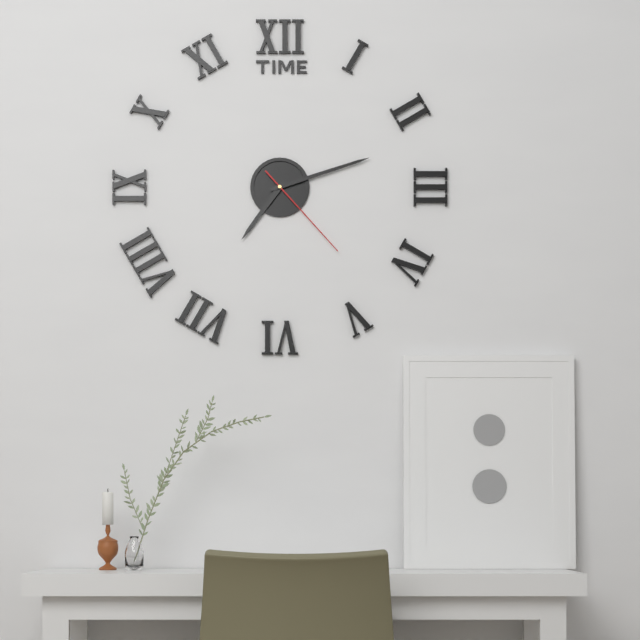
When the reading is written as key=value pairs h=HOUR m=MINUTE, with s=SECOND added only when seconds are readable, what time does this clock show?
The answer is h=7 m=12 s=23
